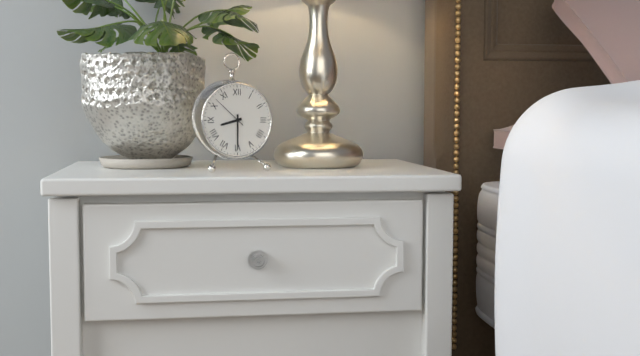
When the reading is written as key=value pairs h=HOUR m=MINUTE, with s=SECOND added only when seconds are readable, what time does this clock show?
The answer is h=8 m=30
